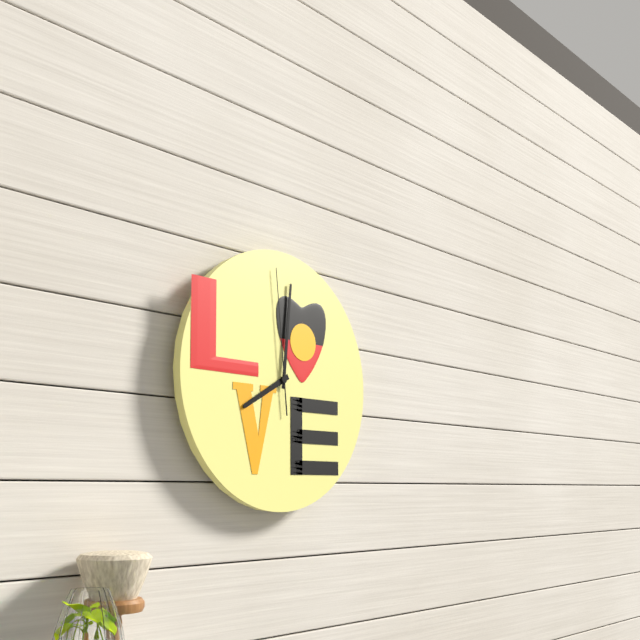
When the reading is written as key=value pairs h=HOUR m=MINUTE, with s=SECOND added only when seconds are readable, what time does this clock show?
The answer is h=8 m=1 s=59
